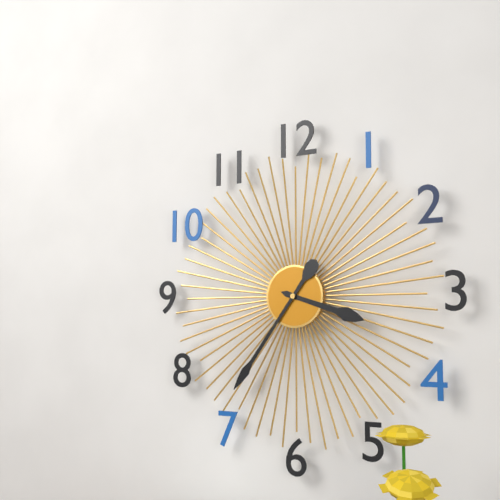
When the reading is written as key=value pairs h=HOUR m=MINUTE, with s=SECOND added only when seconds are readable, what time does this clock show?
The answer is h=3 m=36
